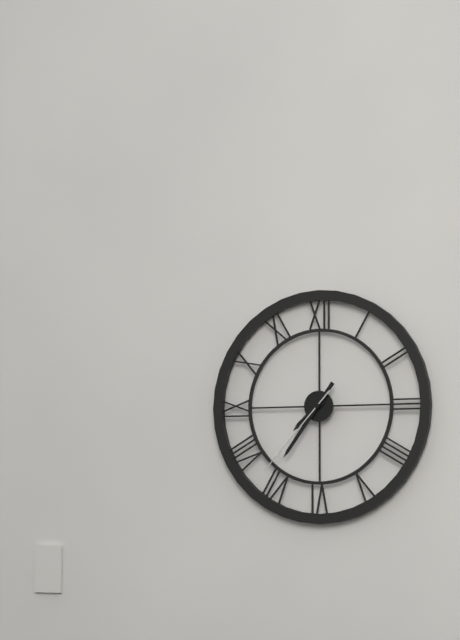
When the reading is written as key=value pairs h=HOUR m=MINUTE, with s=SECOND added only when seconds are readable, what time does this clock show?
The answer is h=7 m=36 s=37
